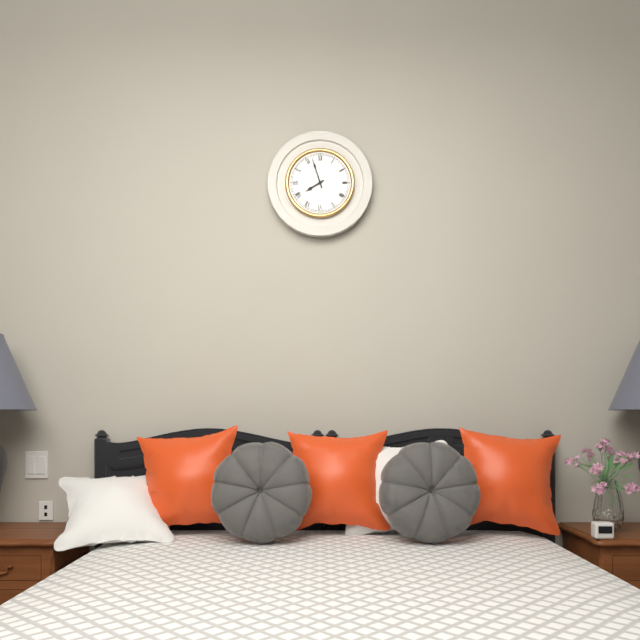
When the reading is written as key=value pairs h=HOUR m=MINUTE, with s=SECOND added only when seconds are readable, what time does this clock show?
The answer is h=7 m=57
